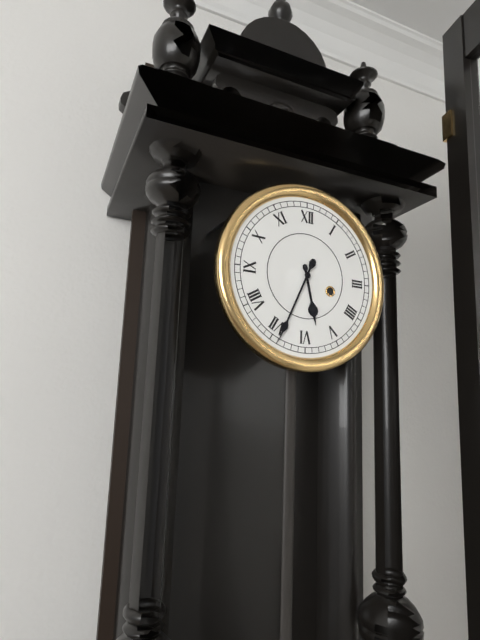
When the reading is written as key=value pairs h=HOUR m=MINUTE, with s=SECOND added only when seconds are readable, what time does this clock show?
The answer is h=5 m=34
